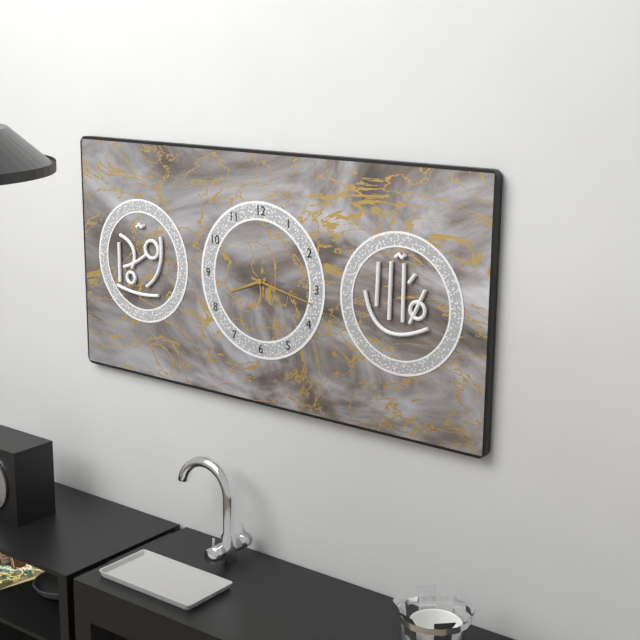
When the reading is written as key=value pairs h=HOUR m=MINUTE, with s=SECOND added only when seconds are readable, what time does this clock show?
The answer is h=8 m=17
